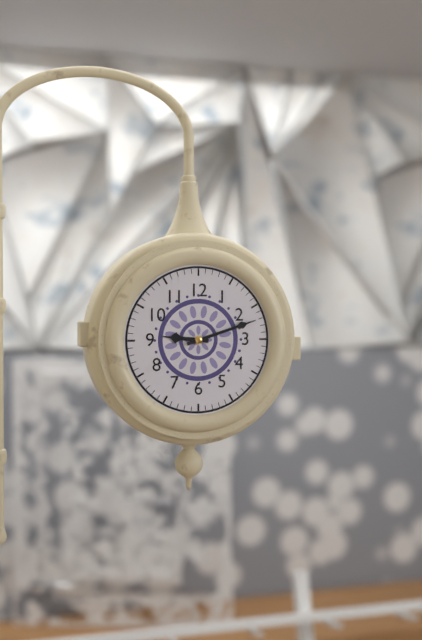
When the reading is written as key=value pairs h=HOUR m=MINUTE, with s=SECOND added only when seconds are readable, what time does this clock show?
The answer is h=9 m=12
